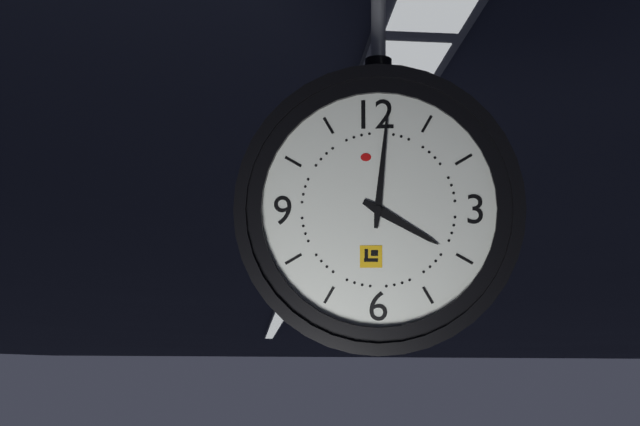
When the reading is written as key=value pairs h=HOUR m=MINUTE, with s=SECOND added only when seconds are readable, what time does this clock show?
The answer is h=4 m=1
